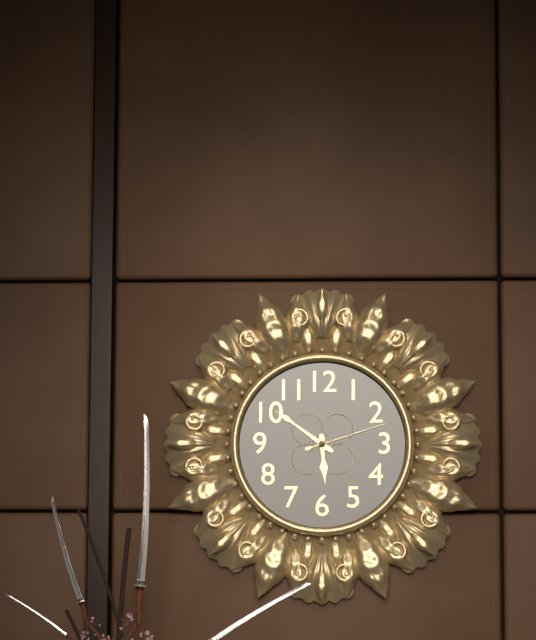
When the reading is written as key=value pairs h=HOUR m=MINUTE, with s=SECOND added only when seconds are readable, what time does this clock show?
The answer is h=5 m=51 s=12
